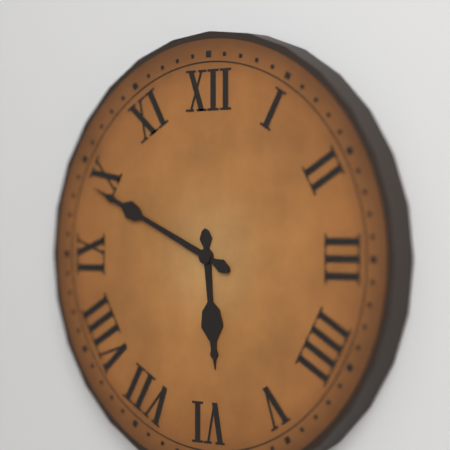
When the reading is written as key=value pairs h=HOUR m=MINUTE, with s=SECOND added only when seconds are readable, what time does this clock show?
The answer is h=5 m=49
